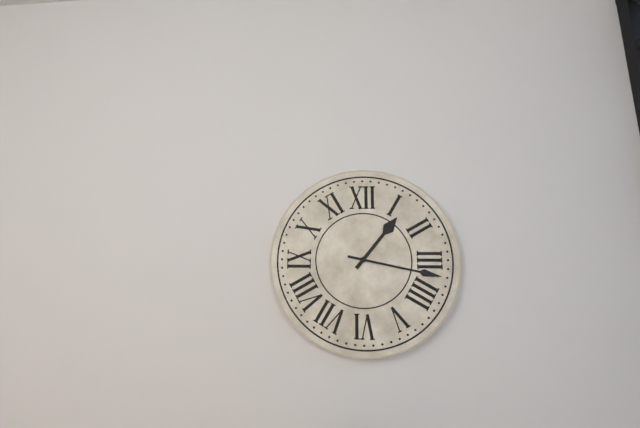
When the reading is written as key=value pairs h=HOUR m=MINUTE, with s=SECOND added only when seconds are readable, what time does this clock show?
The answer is h=1 m=17
